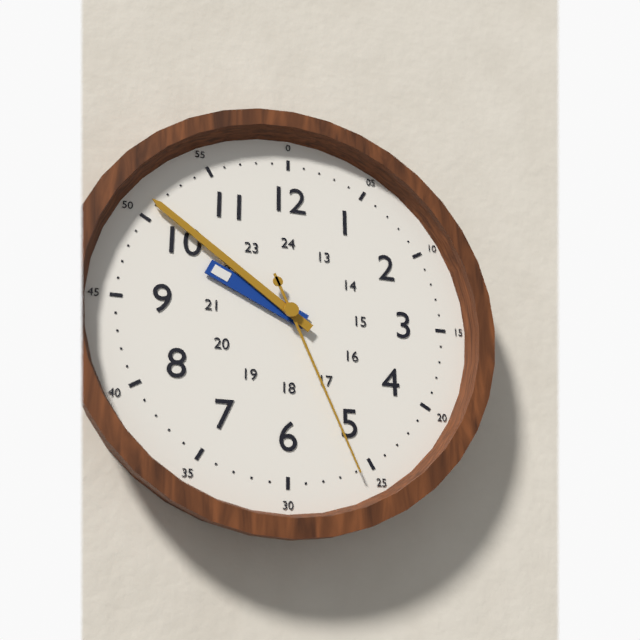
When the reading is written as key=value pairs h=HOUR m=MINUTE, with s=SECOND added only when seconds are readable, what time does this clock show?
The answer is h=9 m=51 s=26
